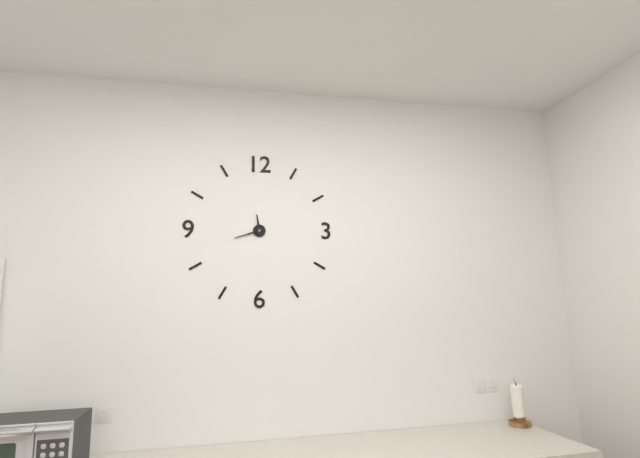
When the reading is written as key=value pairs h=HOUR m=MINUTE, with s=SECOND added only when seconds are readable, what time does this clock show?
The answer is h=11 m=42
